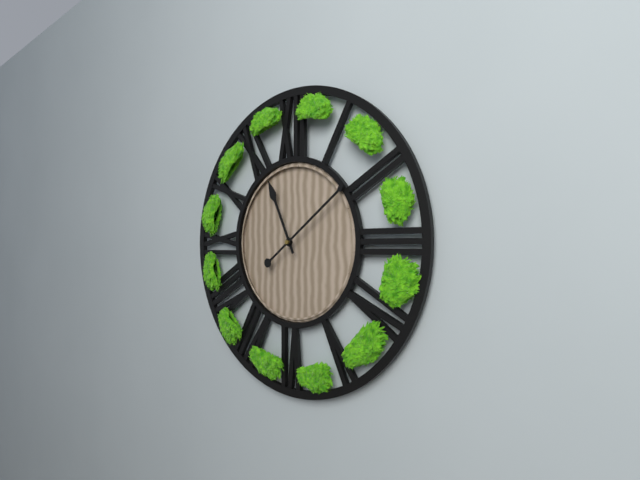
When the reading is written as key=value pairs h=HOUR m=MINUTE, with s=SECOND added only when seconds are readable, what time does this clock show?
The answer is h=11 m=9
